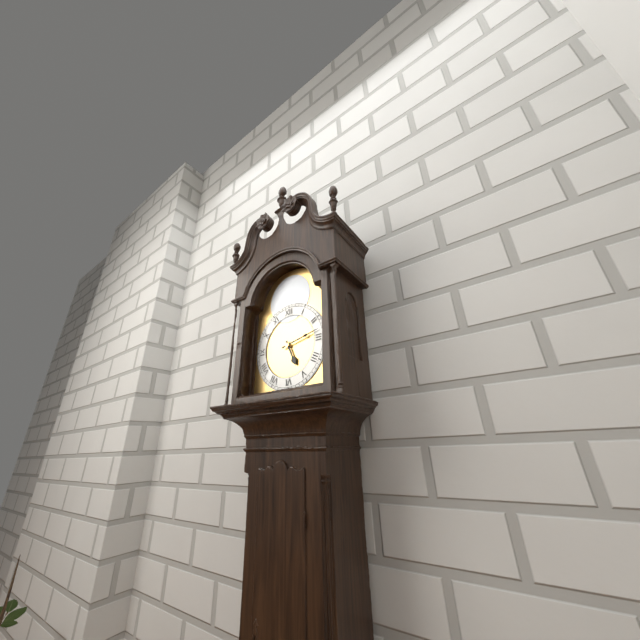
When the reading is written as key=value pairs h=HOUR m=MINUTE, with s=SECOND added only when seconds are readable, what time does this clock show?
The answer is h=5 m=13
